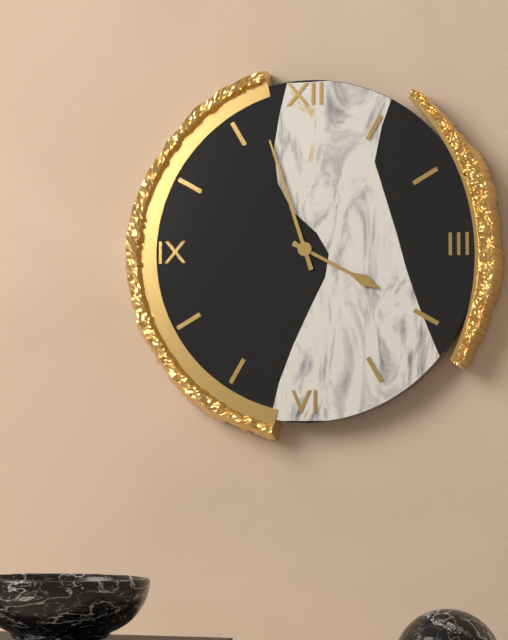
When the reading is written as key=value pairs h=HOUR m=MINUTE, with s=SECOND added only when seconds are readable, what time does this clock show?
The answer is h=3 m=57
